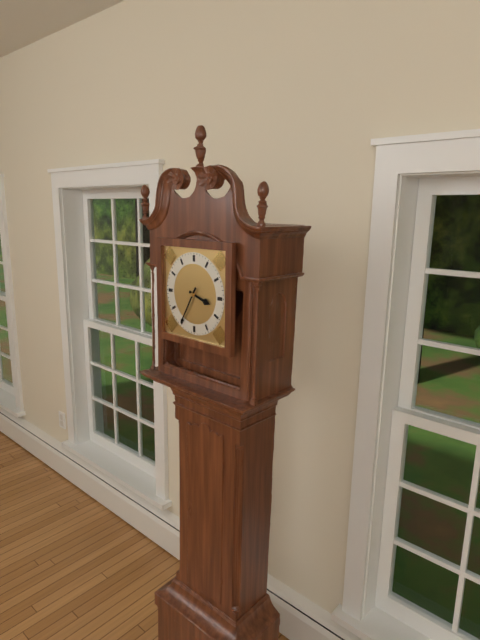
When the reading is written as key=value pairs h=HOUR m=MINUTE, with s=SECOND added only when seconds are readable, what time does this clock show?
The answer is h=3 m=35
